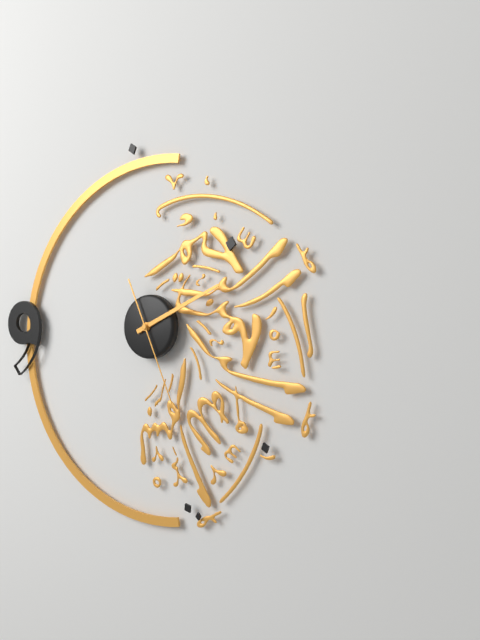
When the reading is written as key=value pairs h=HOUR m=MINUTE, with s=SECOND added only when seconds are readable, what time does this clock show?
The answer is h=2 m=11 s=26
